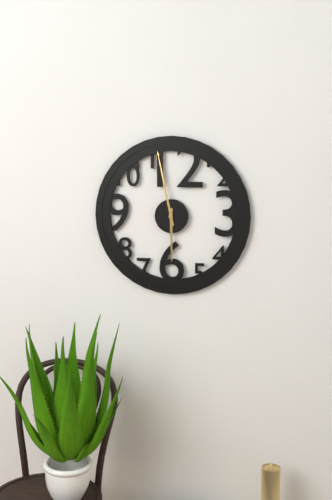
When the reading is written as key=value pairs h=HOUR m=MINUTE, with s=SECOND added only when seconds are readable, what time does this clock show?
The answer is h=5 m=58
